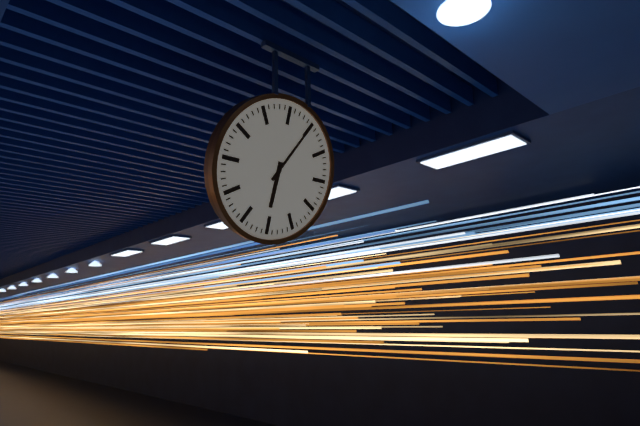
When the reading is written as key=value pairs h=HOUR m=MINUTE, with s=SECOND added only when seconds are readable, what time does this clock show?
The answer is h=6 m=5
